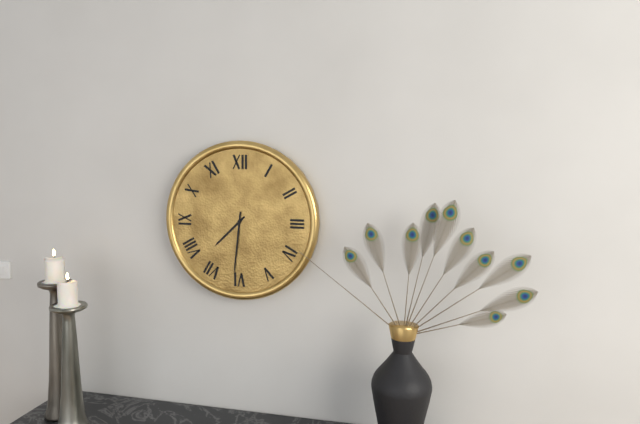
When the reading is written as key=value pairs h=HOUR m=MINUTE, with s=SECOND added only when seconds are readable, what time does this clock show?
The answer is h=7 m=31
